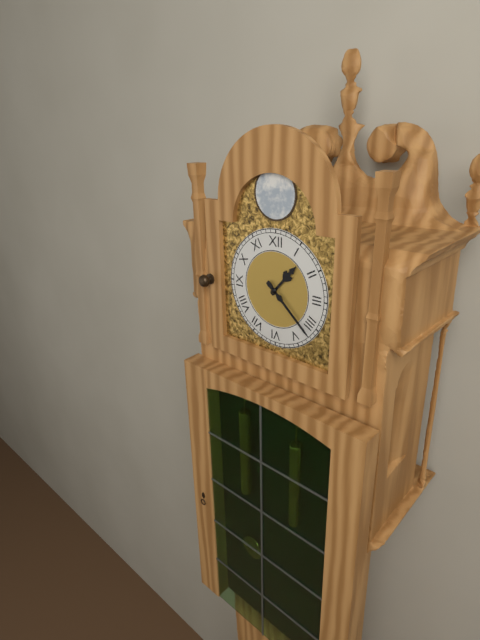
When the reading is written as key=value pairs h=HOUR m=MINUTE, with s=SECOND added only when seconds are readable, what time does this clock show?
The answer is h=1 m=22
